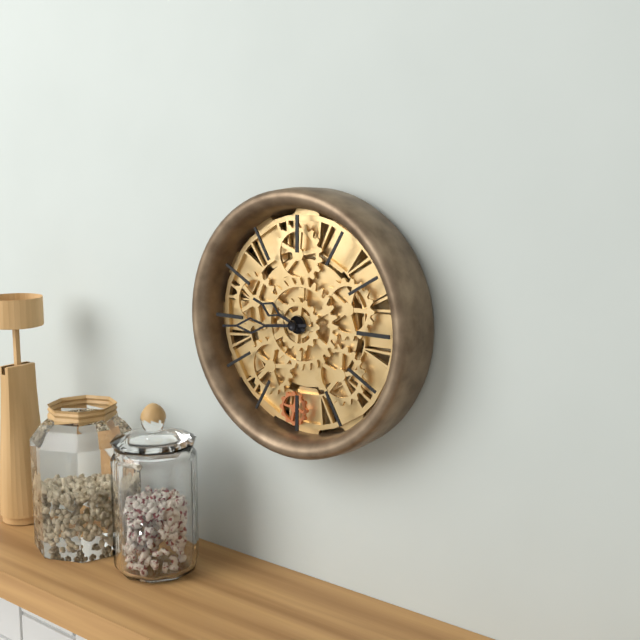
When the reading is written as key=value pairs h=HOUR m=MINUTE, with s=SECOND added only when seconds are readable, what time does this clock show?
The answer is h=9 m=44
